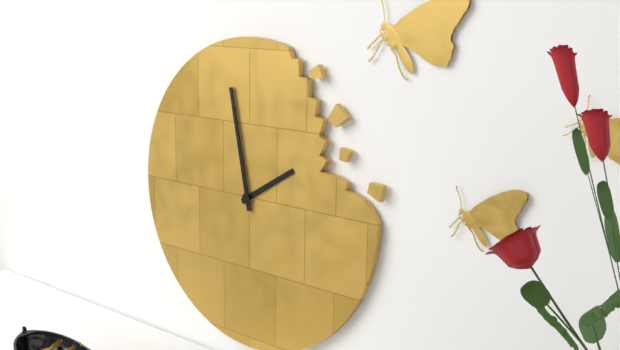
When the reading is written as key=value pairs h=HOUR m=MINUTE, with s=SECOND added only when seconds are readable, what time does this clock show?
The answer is h=1 m=58
